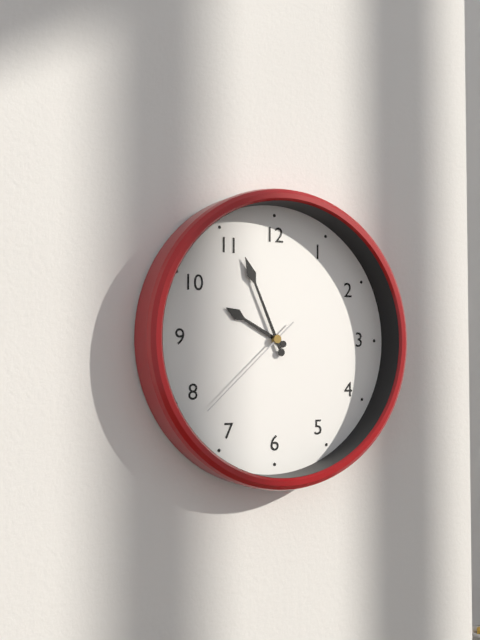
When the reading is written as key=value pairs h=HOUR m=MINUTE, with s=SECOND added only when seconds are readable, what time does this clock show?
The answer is h=9 m=56 s=38
